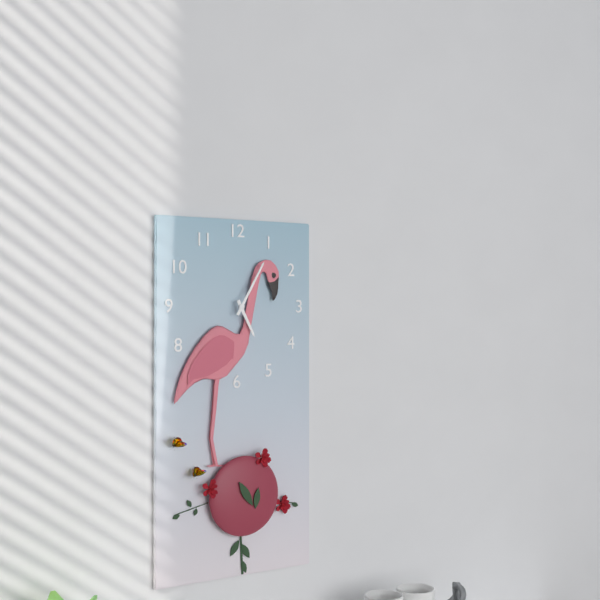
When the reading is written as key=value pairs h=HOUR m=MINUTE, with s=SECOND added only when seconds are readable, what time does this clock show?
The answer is h=5 m=5
